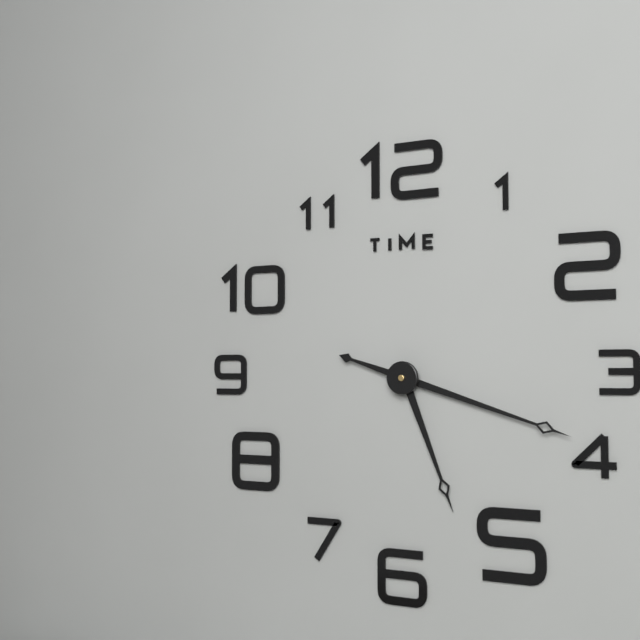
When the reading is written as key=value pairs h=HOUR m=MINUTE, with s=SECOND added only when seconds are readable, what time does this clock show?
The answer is h=5 m=18
